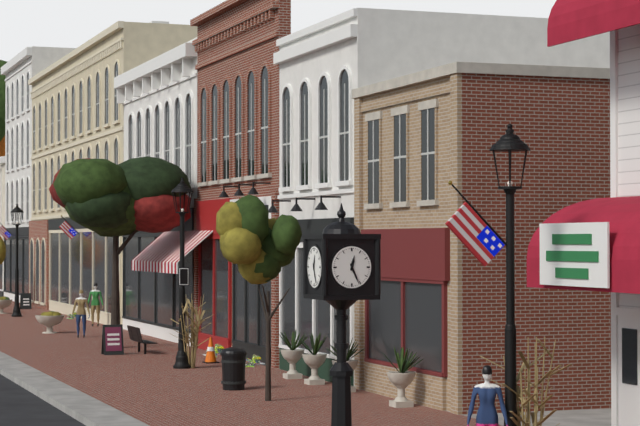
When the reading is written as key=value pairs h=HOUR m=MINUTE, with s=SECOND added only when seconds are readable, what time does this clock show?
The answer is h=12 m=26
